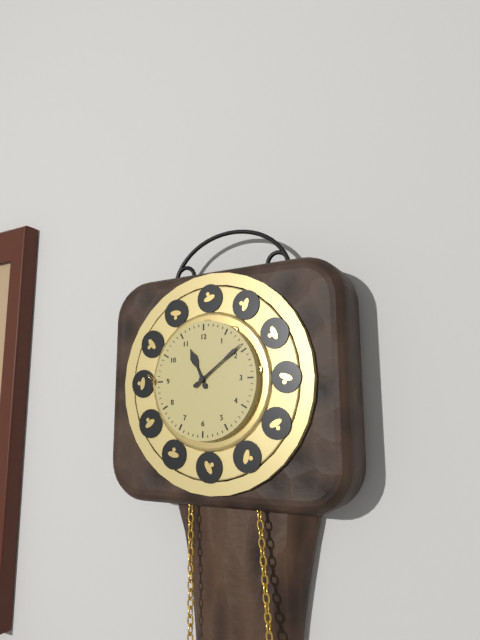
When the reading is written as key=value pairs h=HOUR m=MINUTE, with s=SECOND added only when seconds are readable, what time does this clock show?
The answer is h=11 m=9
